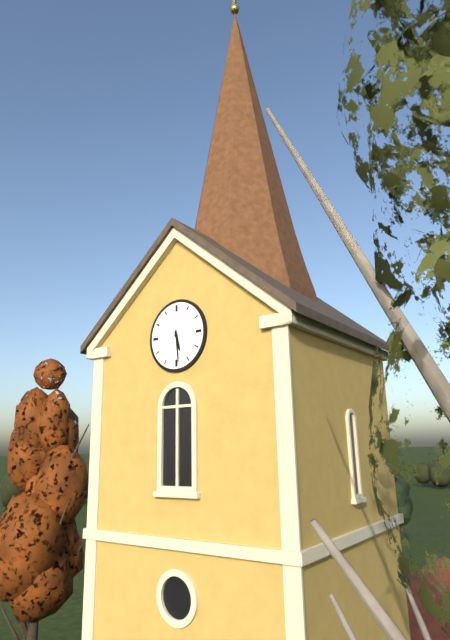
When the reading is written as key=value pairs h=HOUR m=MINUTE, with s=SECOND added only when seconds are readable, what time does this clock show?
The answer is h=5 m=29
